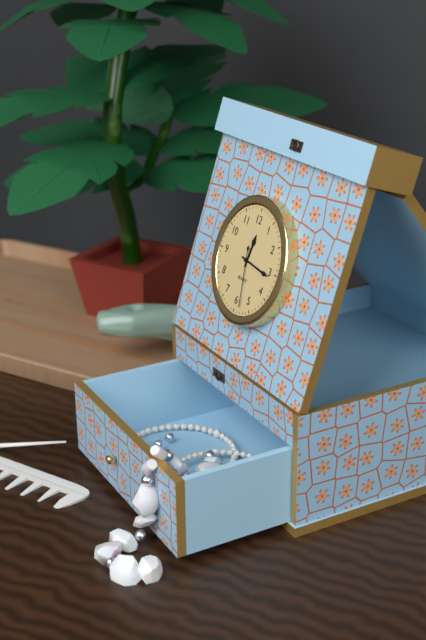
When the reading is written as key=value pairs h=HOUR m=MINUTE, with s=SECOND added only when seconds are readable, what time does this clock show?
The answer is h=12 m=16 s=28
